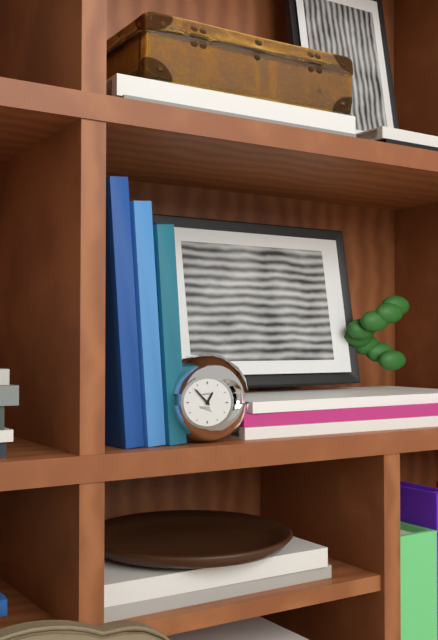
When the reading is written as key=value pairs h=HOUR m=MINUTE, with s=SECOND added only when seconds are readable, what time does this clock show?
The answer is h=12 m=53
